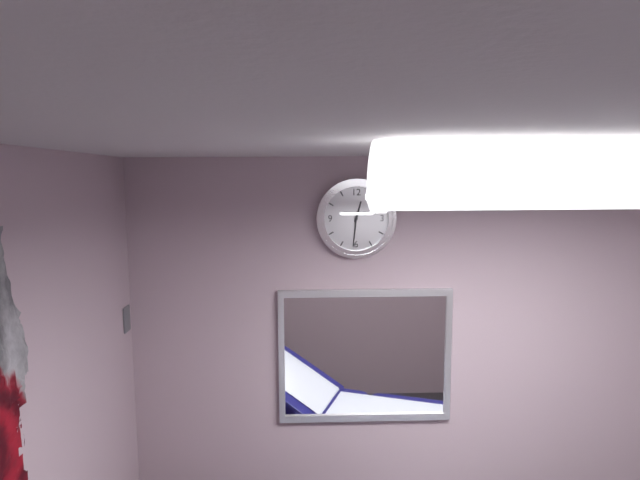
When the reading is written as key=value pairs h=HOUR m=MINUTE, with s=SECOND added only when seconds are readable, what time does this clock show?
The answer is h=12 m=31
